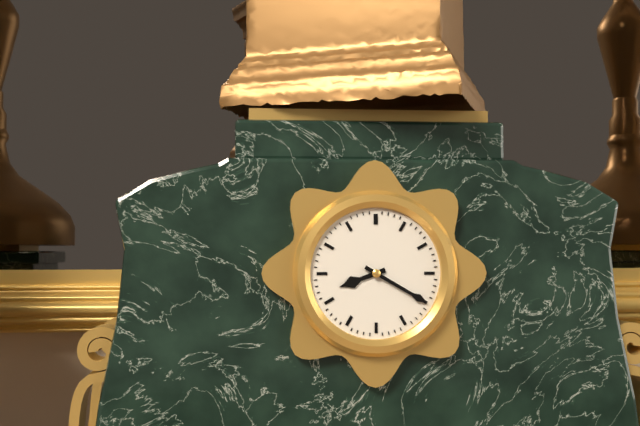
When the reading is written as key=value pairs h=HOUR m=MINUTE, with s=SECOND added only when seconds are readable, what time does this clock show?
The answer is h=8 m=20
